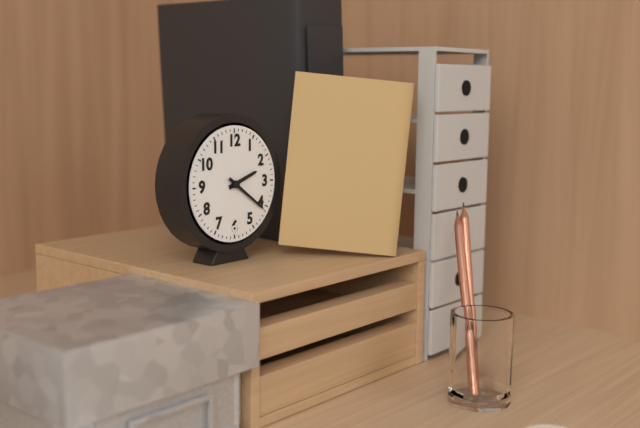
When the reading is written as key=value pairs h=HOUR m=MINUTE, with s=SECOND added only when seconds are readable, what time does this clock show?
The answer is h=2 m=21
